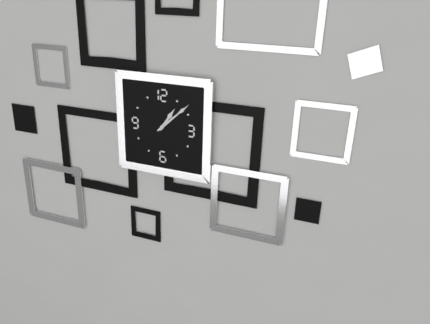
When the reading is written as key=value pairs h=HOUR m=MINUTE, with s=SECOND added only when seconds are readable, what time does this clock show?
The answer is h=1 m=8
